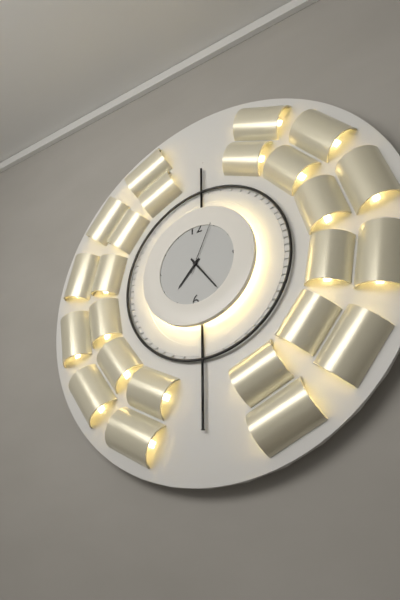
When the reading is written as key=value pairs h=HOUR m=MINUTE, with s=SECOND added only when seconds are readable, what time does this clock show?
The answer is h=7 m=24 s=4
